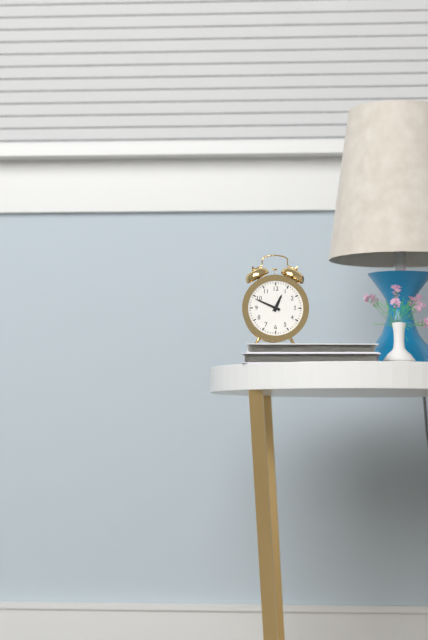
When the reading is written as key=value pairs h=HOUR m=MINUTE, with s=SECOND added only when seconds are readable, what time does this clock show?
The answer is h=12 m=49
